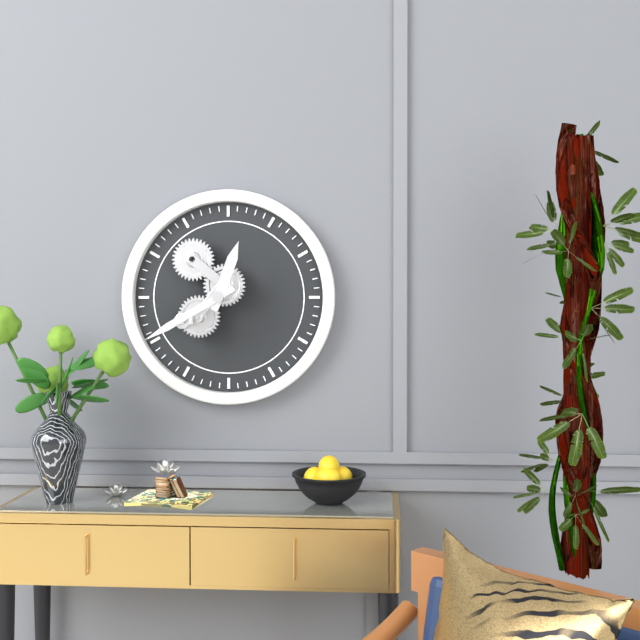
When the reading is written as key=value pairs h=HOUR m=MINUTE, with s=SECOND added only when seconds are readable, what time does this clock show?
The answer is h=12 m=40
